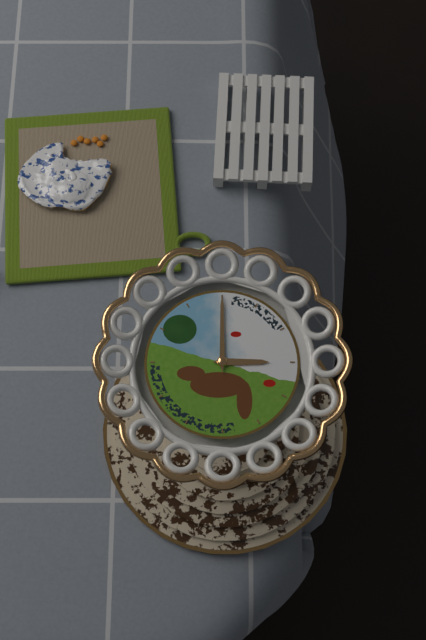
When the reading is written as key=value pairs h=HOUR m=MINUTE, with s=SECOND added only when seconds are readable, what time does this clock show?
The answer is h=3 m=0
